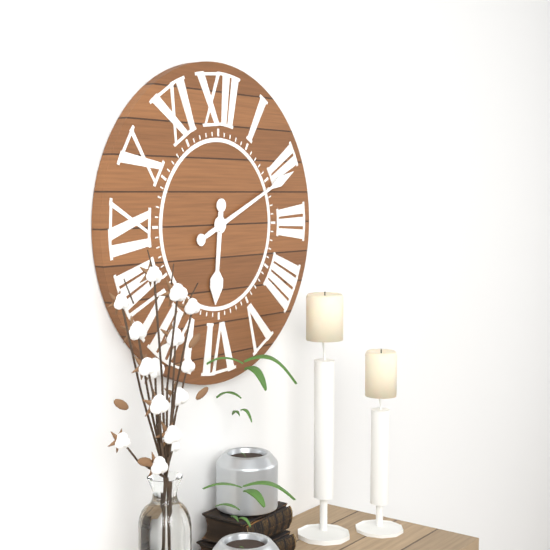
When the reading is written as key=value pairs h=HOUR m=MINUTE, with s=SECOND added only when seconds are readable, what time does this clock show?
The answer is h=6 m=11
